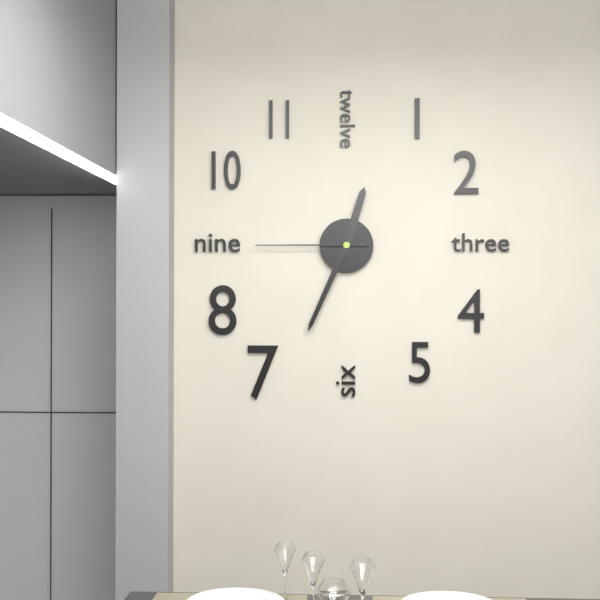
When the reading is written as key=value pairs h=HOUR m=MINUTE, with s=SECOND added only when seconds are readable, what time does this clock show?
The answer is h=12 m=34 s=45
